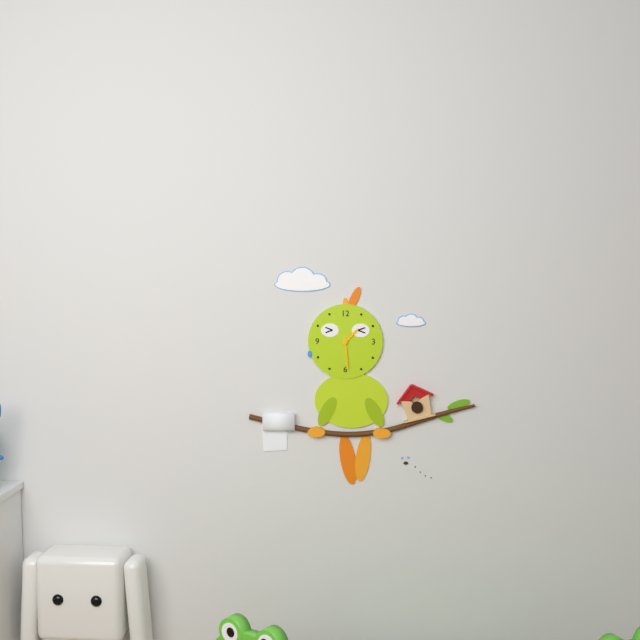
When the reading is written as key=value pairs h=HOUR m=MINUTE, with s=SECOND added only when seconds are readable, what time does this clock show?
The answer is h=1 m=29
